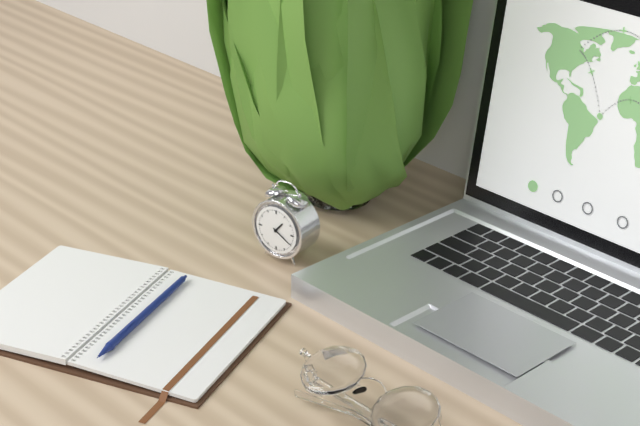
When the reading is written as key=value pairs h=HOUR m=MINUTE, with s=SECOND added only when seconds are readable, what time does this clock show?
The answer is h=1 m=20
